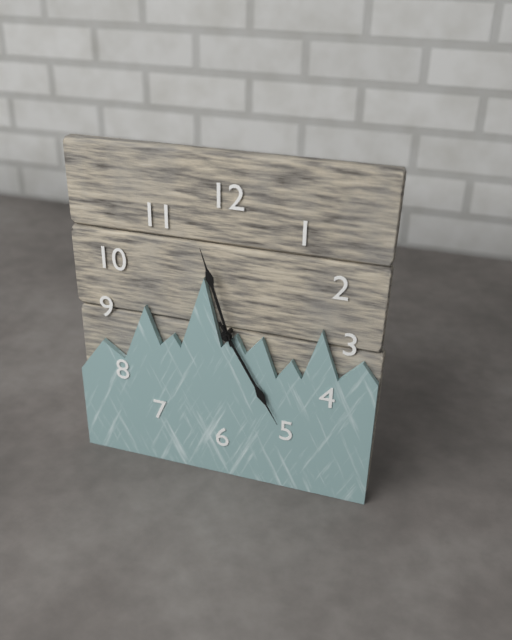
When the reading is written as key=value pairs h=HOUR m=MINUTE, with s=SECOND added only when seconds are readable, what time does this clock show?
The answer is h=11 m=25
